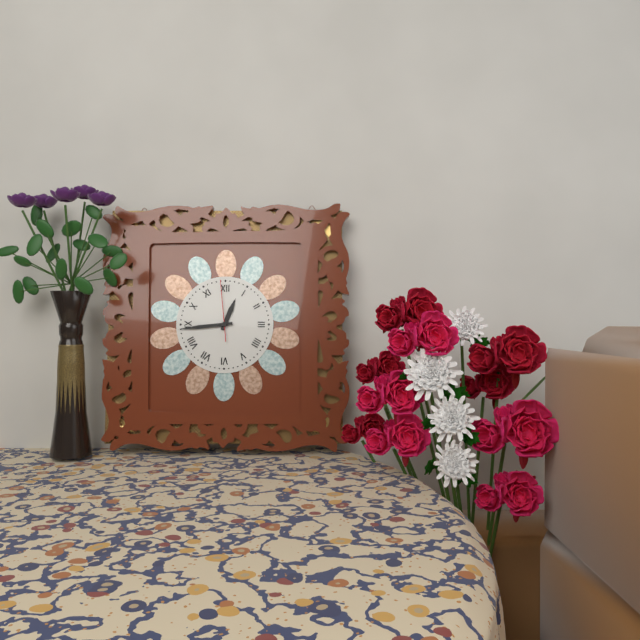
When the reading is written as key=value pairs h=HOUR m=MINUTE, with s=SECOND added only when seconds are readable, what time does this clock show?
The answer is h=12 m=44 s=59
